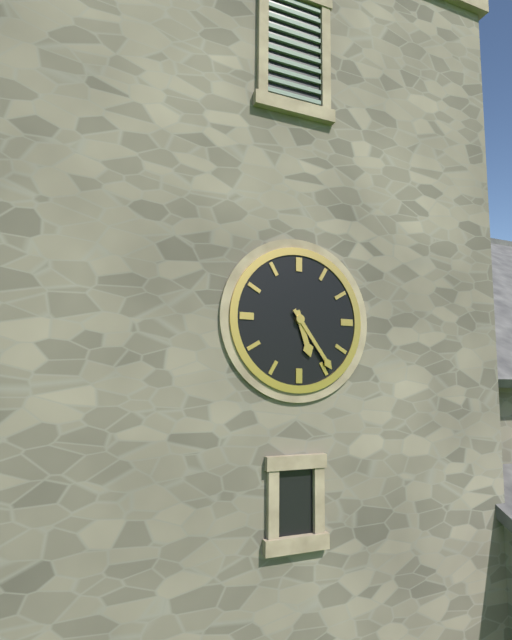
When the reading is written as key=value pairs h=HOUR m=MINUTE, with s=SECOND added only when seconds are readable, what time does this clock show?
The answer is h=5 m=24
